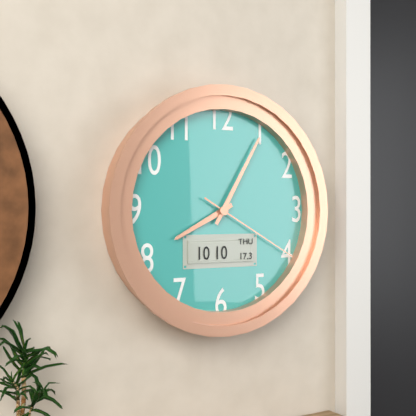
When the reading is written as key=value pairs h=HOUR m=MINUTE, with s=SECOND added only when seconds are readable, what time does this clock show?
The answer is h=8 m=5 s=20
